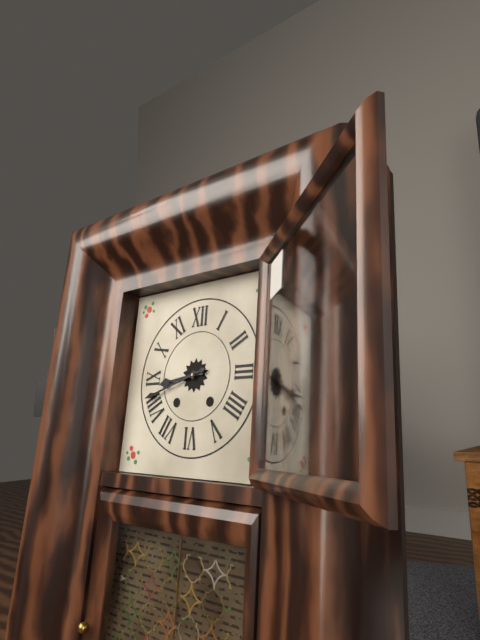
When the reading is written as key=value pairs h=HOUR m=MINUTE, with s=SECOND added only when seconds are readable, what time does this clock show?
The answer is h=8 m=42
